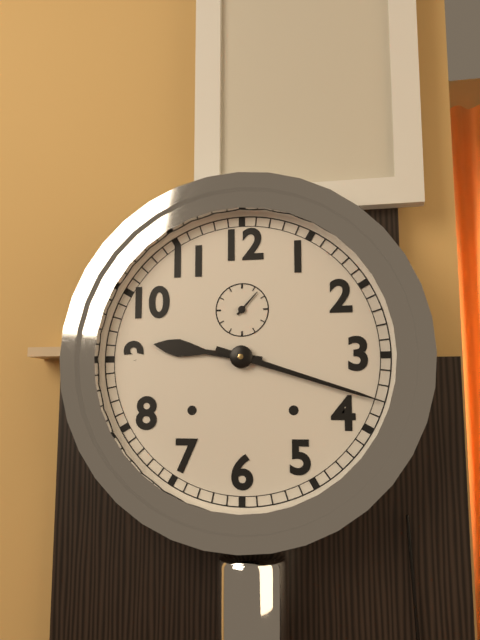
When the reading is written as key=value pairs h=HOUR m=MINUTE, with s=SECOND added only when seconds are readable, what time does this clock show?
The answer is h=9 m=18
